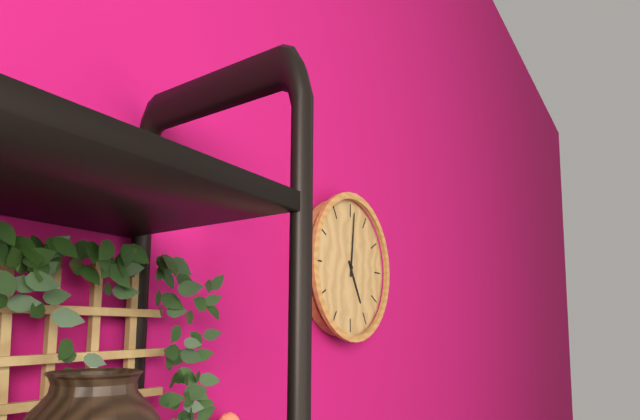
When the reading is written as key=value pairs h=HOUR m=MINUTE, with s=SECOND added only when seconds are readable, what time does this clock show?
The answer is h=5 m=1
